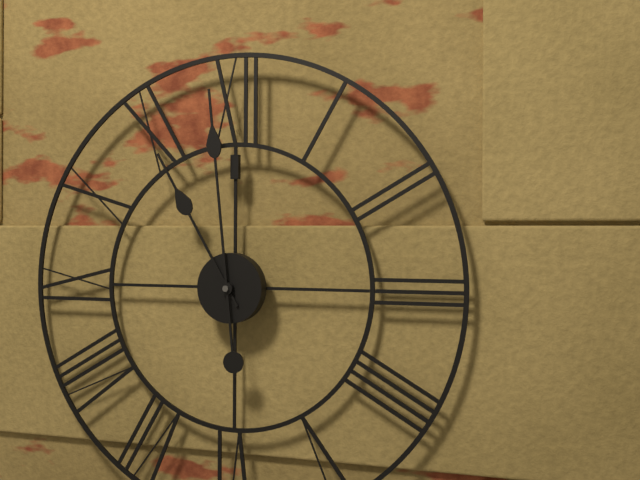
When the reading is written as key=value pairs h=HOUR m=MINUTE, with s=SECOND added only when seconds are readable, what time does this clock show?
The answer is h=10 m=59
